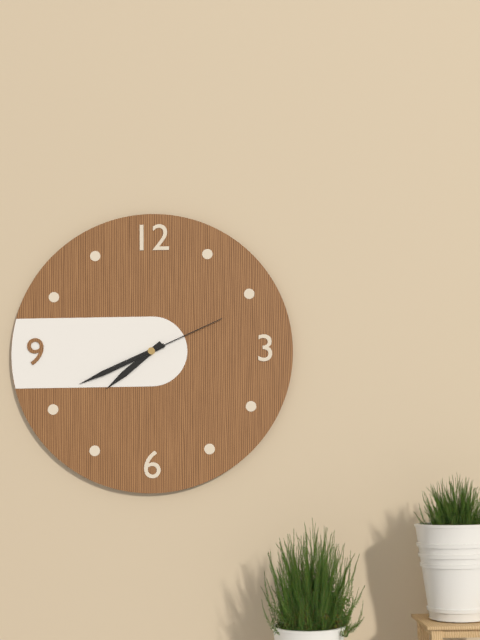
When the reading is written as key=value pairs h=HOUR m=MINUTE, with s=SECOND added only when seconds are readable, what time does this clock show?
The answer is h=7 m=41 s=11
